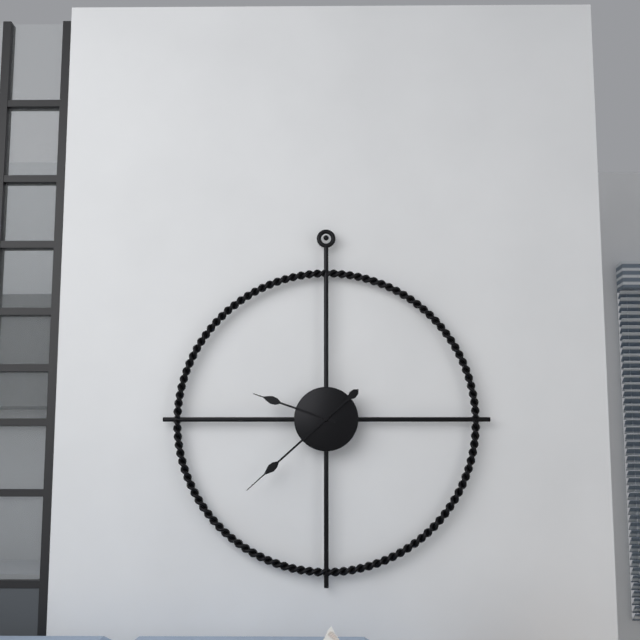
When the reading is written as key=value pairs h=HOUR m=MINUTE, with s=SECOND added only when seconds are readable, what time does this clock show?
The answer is h=9 m=38
